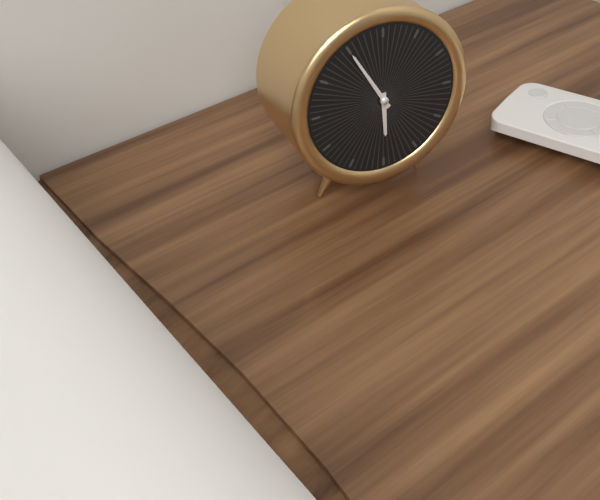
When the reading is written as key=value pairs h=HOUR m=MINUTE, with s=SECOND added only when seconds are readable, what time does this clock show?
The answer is h=5 m=55
